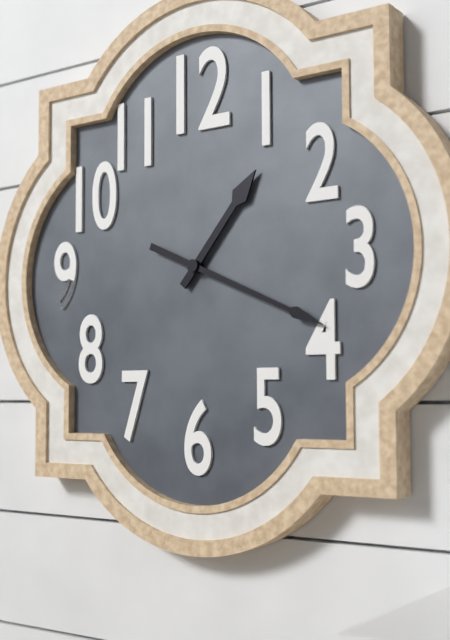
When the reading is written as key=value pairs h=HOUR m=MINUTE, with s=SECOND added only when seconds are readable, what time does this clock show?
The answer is h=1 m=19
